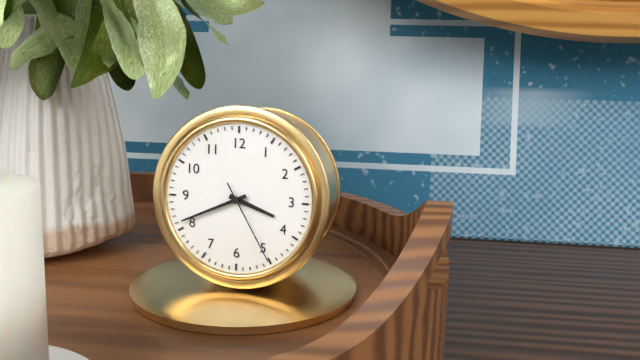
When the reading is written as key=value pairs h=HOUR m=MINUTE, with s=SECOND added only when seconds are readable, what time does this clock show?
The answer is h=3 m=41 s=25
